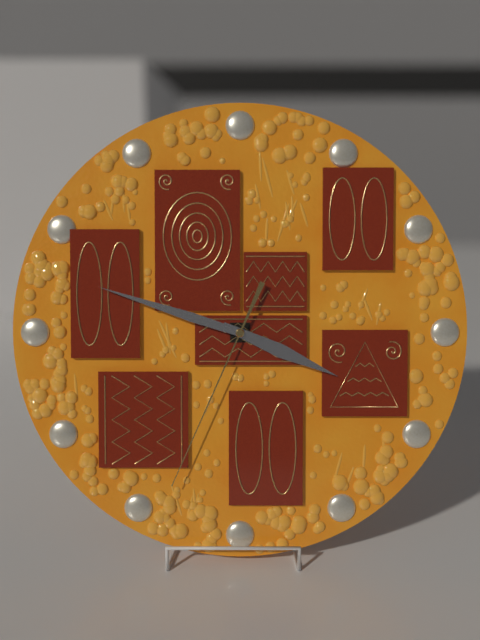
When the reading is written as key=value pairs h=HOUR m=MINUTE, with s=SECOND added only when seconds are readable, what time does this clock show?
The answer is h=3 m=48 s=34
